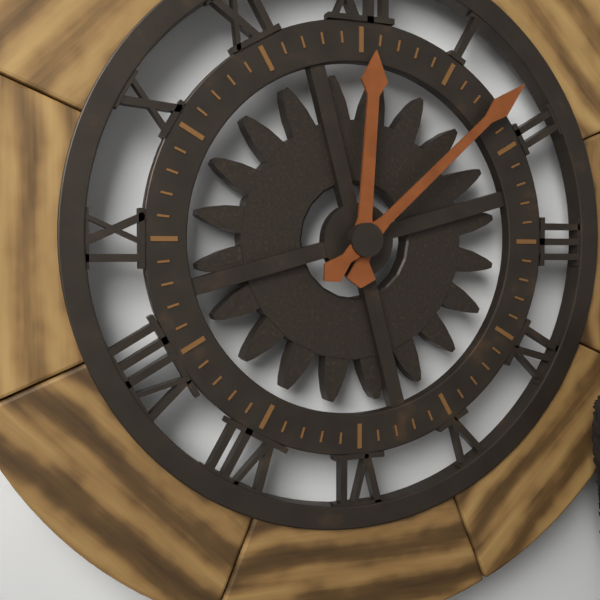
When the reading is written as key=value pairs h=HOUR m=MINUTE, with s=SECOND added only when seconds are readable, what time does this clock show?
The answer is h=12 m=8
